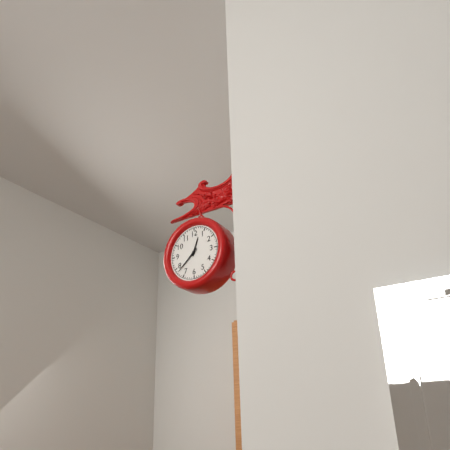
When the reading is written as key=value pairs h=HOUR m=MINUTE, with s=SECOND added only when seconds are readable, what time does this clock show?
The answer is h=12 m=38
